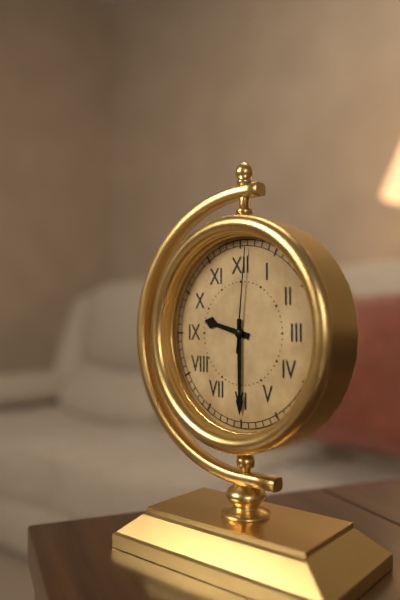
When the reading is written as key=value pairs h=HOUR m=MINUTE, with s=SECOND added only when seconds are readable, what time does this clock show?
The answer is h=9 m=30 s=1
